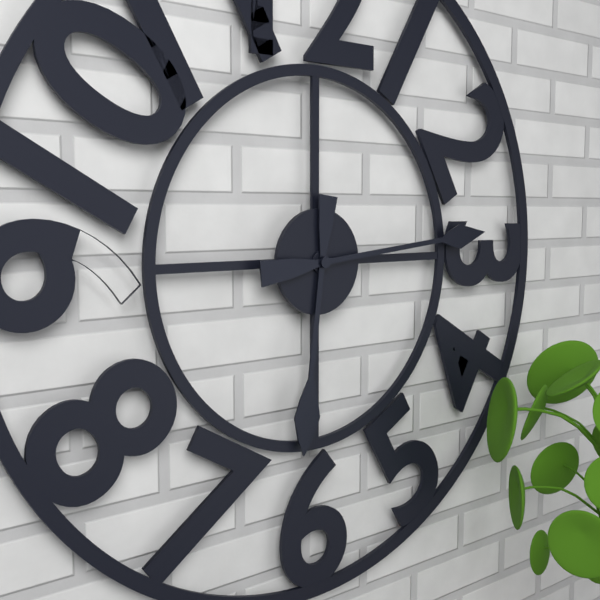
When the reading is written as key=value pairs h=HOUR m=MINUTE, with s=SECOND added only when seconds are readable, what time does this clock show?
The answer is h=6 m=14
